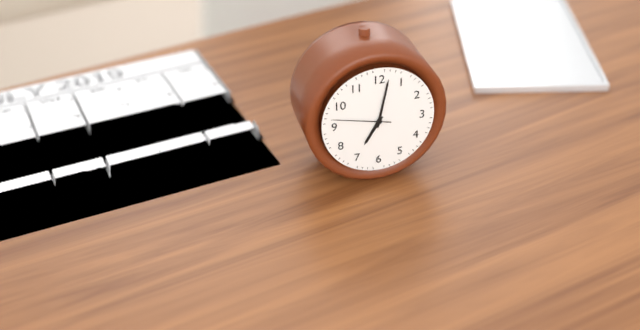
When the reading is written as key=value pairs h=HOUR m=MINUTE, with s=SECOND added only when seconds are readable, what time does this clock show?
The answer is h=7 m=2 s=47
